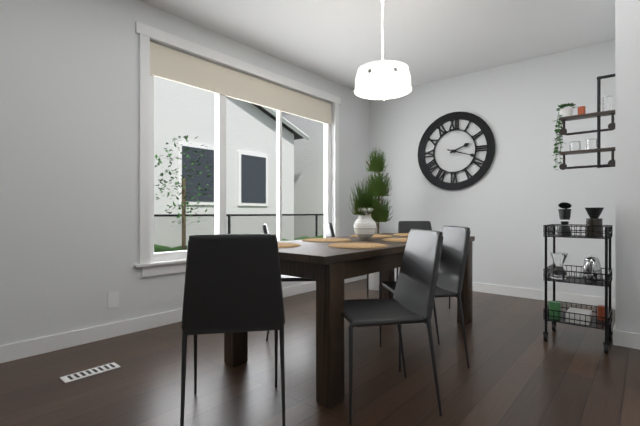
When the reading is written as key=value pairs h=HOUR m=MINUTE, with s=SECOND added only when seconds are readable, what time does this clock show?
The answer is h=2 m=18
